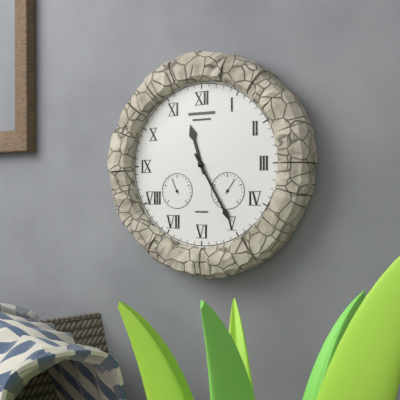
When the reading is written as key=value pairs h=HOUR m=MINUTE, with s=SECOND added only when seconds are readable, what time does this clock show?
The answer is h=11 m=25
